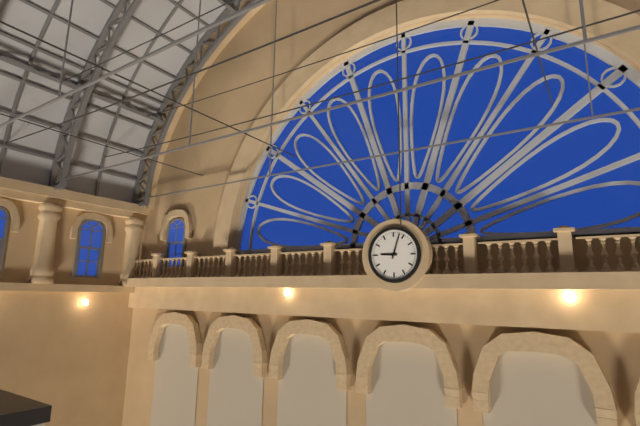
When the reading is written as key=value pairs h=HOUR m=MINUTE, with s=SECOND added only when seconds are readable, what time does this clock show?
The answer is h=9 m=3
